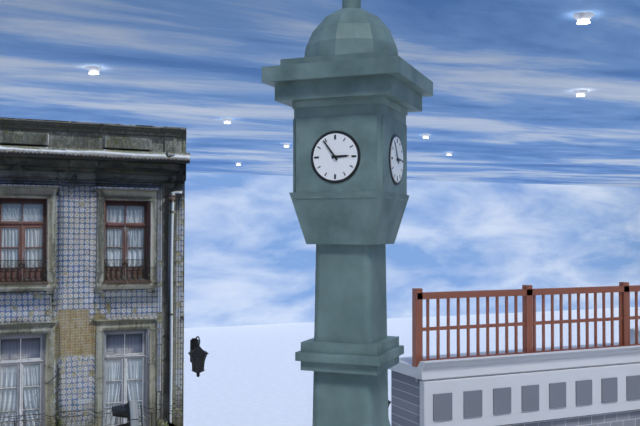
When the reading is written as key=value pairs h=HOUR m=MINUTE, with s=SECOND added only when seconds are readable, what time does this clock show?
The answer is h=2 m=54
